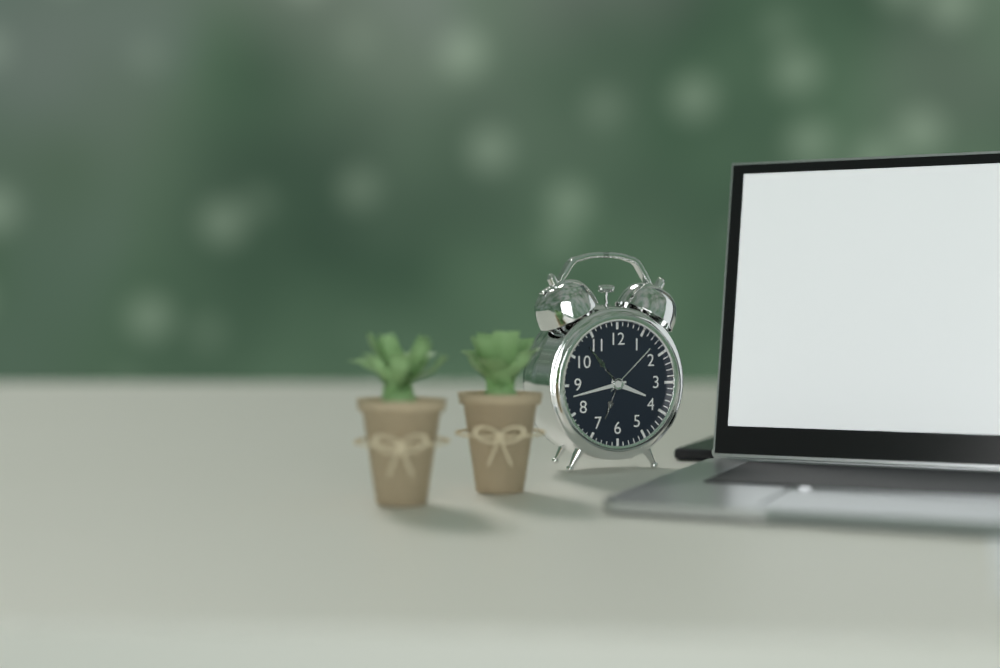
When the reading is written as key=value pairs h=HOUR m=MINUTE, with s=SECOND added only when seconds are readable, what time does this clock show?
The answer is h=3 m=43
